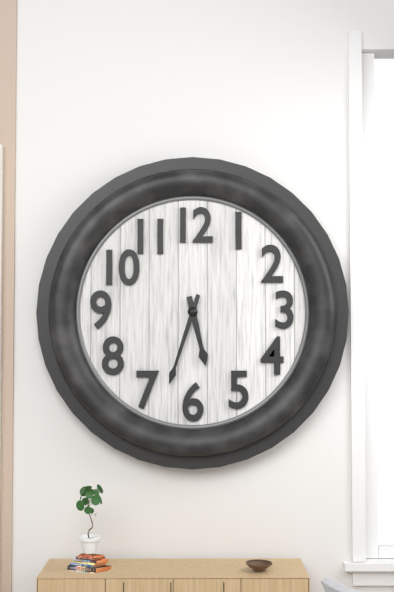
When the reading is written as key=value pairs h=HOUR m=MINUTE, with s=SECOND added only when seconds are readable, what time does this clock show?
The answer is h=5 m=33
